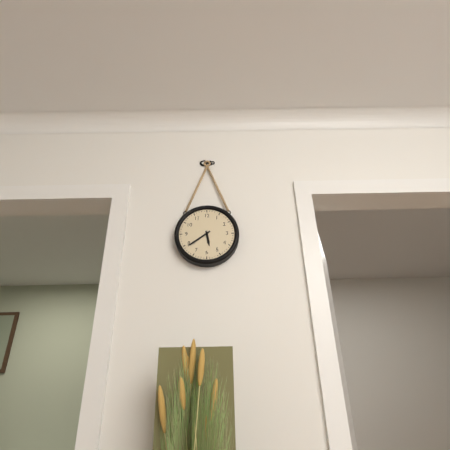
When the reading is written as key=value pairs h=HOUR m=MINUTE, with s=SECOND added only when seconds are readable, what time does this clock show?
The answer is h=5 m=39
